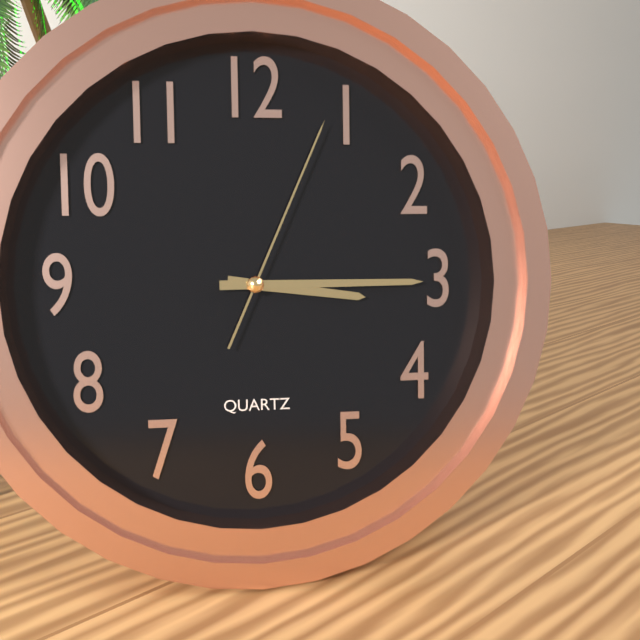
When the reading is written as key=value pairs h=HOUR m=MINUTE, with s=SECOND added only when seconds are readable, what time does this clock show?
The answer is h=3 m=15 s=4
